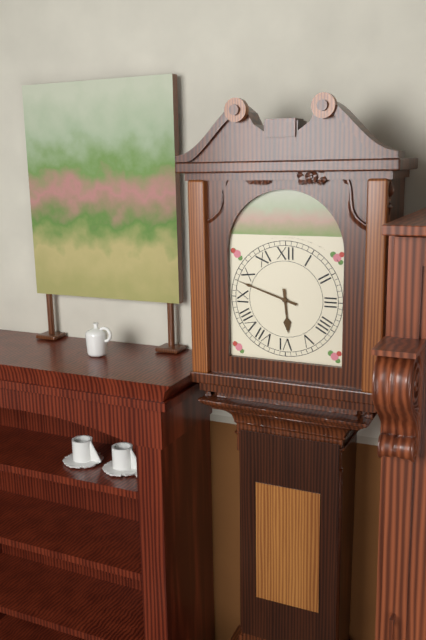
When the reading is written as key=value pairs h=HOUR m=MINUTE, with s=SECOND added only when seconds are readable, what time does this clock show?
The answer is h=5 m=48
